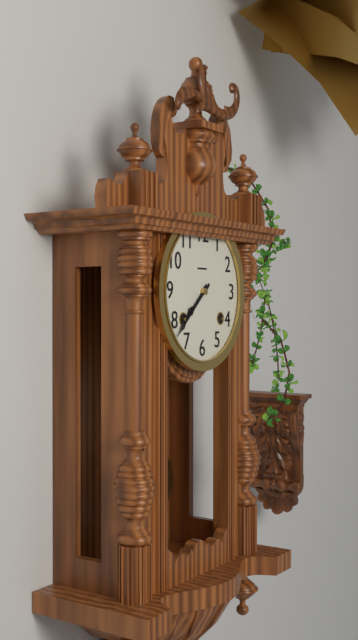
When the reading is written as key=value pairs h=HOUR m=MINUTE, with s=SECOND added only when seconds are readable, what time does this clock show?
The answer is h=7 m=38
